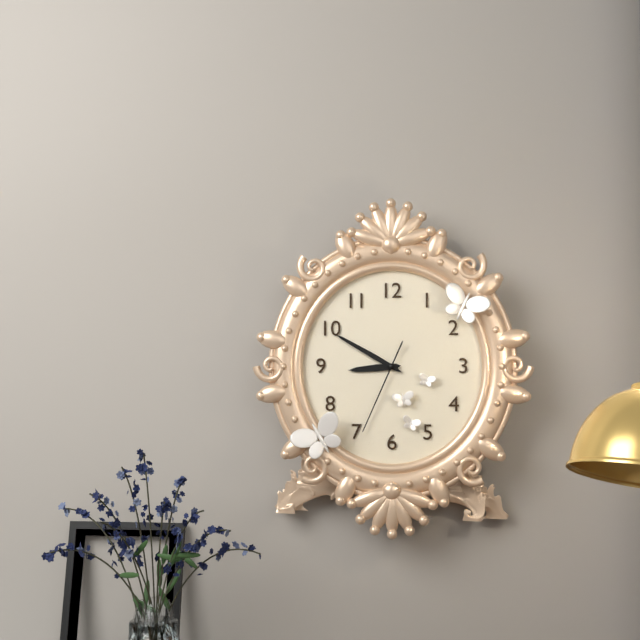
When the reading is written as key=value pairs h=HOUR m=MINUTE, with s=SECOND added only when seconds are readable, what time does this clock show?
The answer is h=8 m=50 s=34
